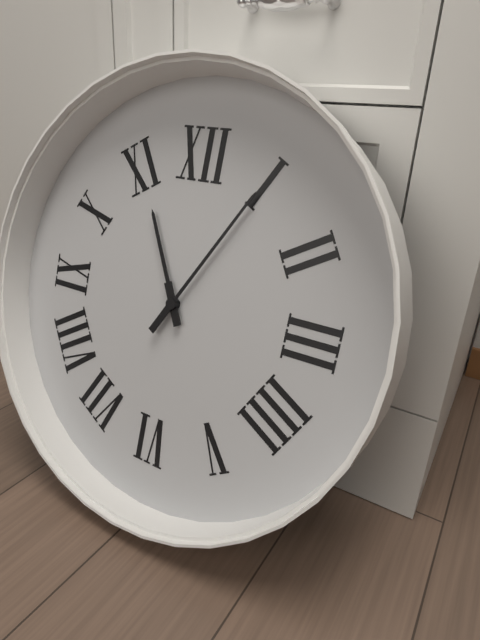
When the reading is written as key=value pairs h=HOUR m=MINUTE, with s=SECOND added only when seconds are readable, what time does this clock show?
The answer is h=11 m=5
